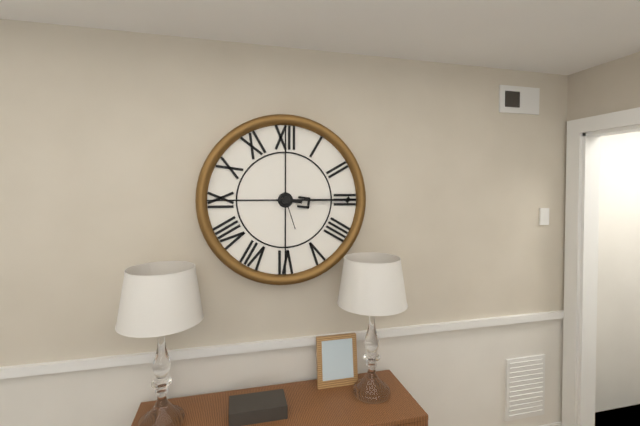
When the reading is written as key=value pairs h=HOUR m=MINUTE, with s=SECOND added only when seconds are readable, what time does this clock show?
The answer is h=3 m=15
